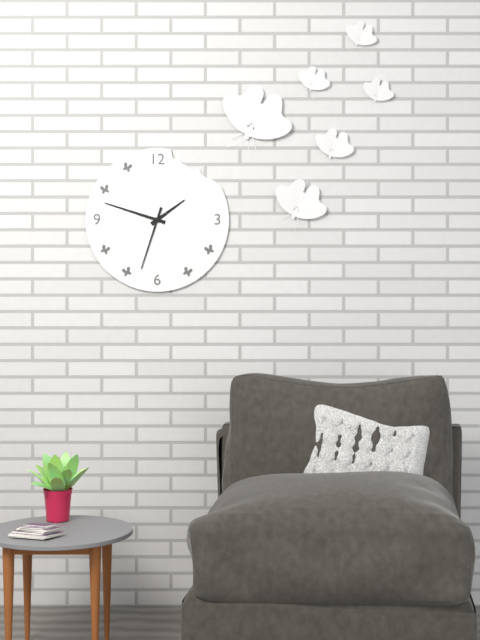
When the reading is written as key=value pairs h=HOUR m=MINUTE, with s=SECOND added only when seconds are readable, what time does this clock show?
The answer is h=1 m=48 s=33
